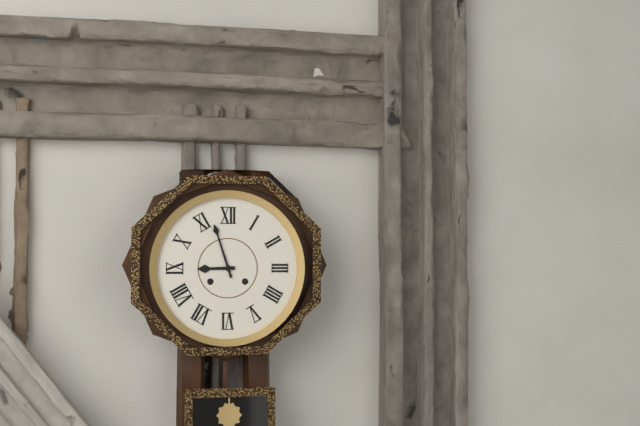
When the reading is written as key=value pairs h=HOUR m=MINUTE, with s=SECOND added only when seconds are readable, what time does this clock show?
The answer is h=8 m=57
